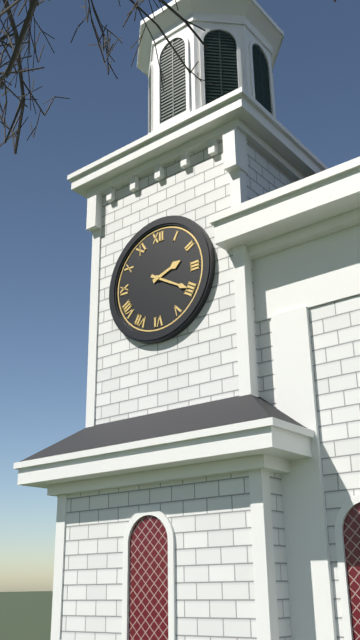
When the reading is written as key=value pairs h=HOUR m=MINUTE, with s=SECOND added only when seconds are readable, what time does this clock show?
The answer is h=2 m=20
